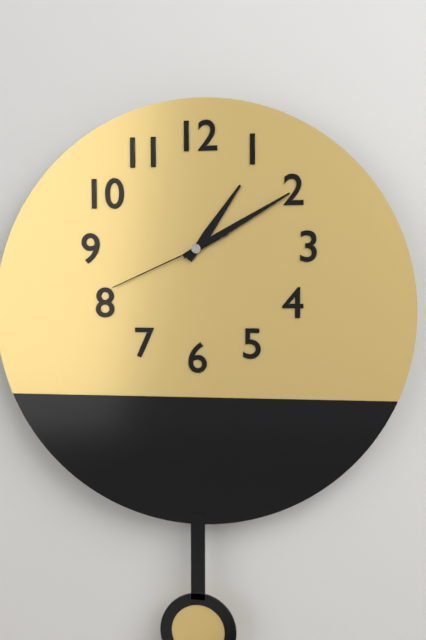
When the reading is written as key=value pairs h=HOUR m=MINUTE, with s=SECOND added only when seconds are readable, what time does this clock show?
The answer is h=1 m=10 s=41
